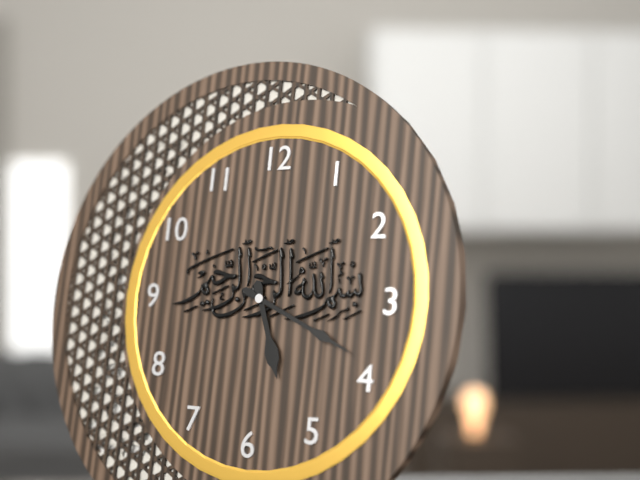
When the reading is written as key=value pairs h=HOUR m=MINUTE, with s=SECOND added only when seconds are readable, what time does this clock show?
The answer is h=5 m=19
